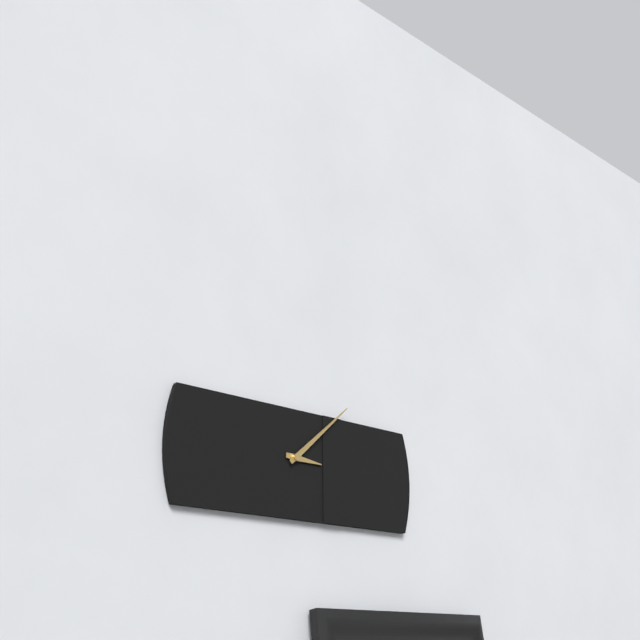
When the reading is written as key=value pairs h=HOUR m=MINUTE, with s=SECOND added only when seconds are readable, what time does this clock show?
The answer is h=3 m=8
